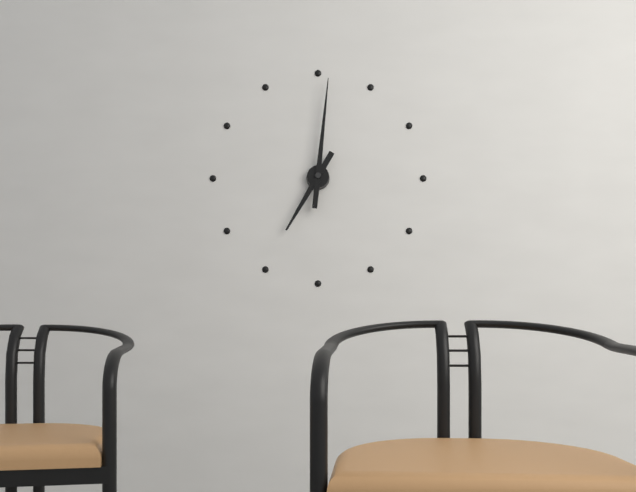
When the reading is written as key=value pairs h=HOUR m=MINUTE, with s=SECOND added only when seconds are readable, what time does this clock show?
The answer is h=7 m=1
